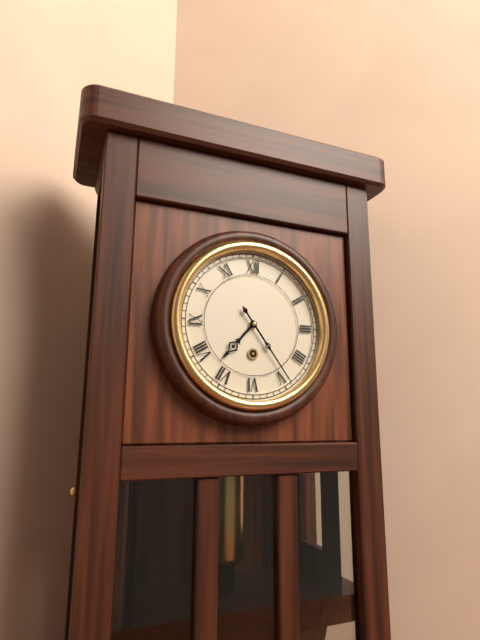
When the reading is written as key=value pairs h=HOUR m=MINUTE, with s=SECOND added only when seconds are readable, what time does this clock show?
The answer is h=7 m=24
